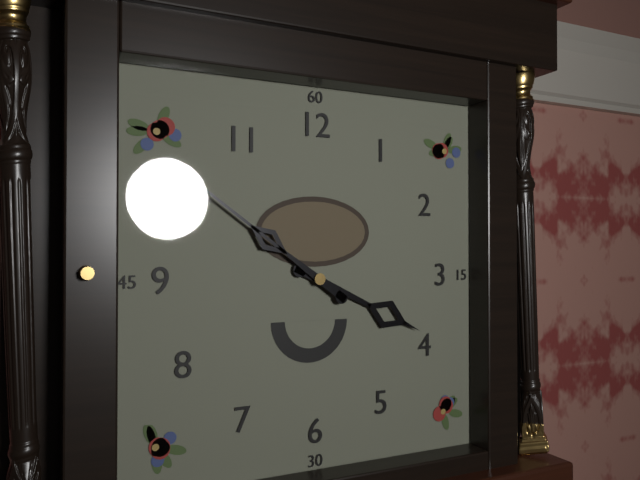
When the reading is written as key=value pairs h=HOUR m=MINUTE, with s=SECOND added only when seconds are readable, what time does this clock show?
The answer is h=3 m=51
